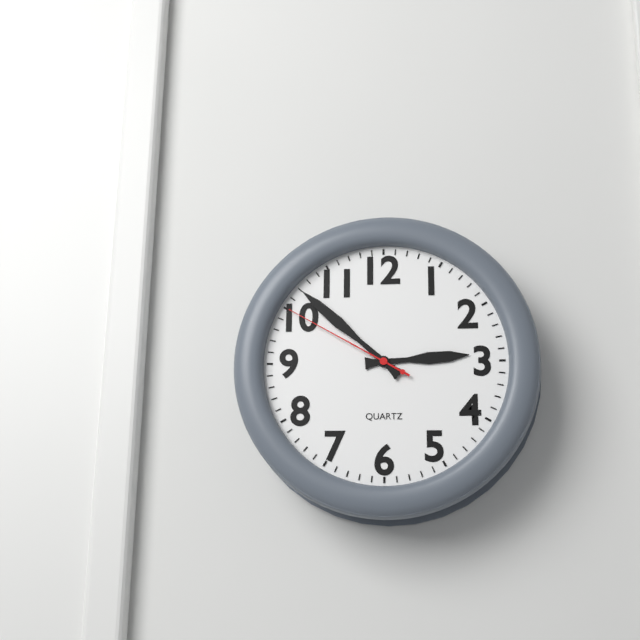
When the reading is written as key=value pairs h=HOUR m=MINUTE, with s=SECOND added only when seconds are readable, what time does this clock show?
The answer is h=2 m=52 s=50
